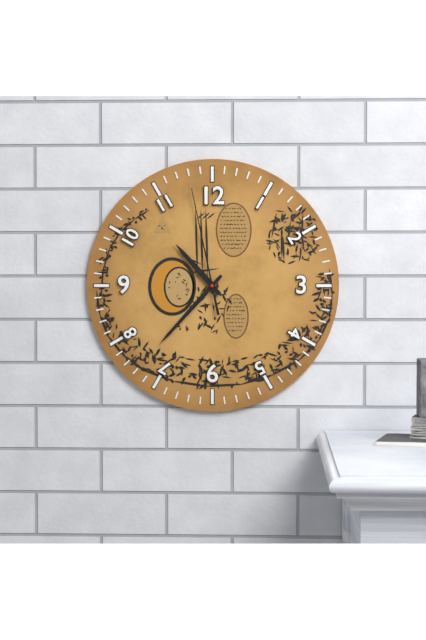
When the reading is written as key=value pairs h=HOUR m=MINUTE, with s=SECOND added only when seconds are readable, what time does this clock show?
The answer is h=10 m=37 s=58
